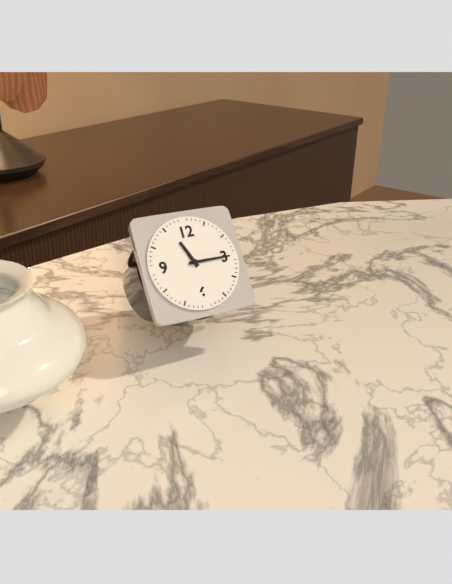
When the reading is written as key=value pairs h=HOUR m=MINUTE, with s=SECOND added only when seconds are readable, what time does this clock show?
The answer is h=11 m=15
